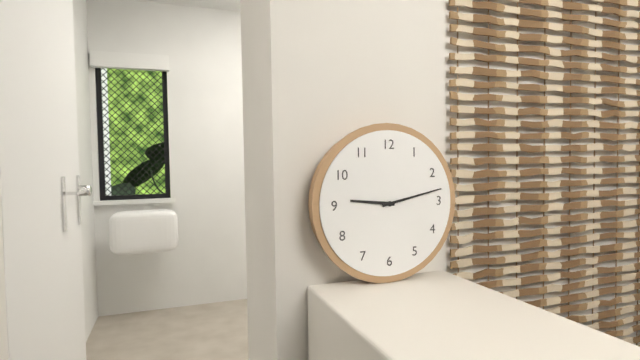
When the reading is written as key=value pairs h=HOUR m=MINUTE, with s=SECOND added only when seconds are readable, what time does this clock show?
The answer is h=9 m=13
